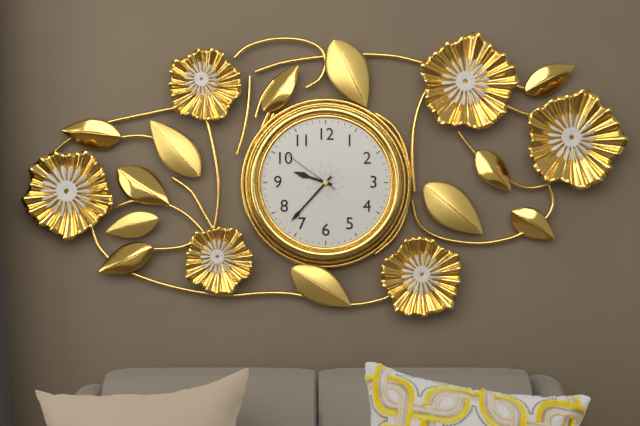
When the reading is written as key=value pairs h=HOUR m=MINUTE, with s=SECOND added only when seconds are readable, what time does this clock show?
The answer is h=9 m=37 s=51
